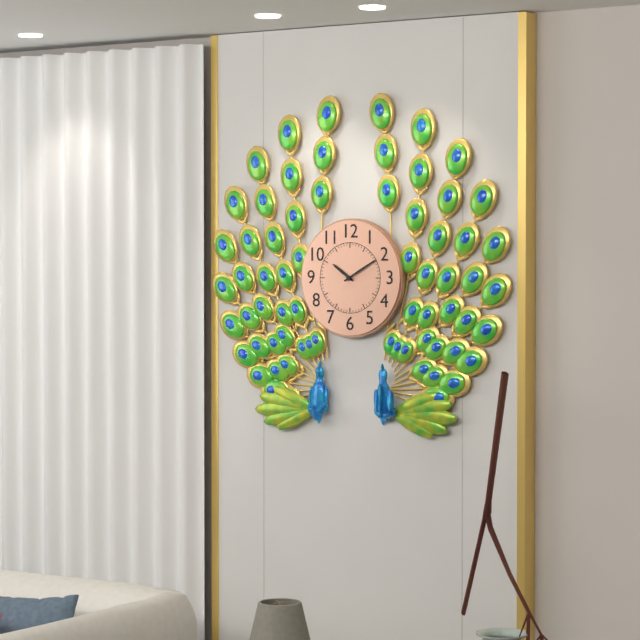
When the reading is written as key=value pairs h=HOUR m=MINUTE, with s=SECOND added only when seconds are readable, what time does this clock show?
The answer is h=10 m=10
